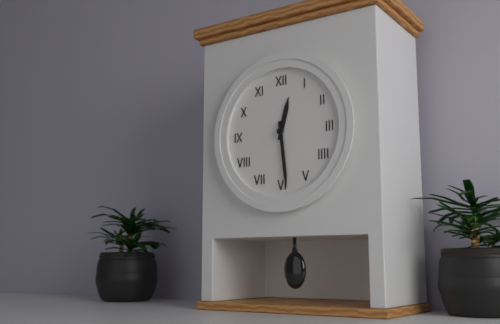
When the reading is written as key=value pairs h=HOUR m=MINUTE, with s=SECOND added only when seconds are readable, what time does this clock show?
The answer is h=12 m=29
